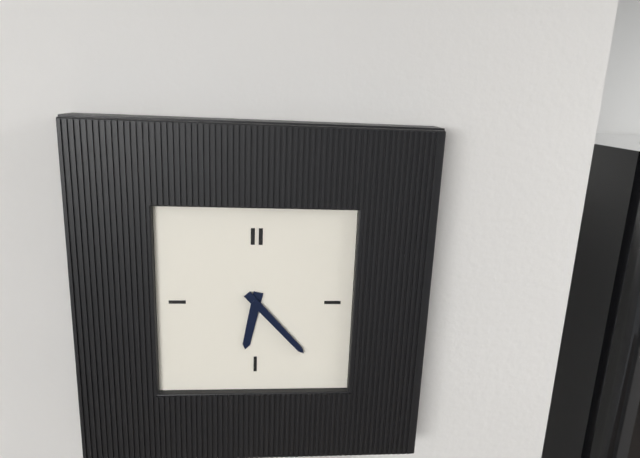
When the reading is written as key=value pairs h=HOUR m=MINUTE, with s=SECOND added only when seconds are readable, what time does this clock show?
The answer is h=6 m=23
